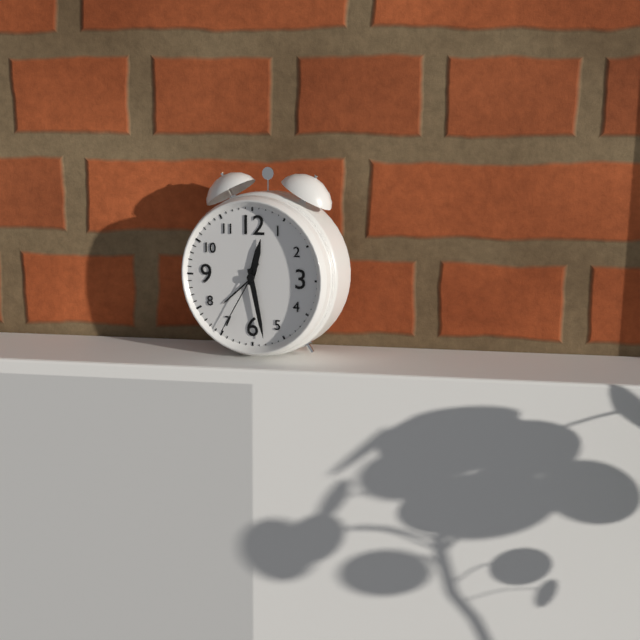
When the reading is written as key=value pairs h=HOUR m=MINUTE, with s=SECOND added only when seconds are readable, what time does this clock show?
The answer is h=12 m=28 s=35
